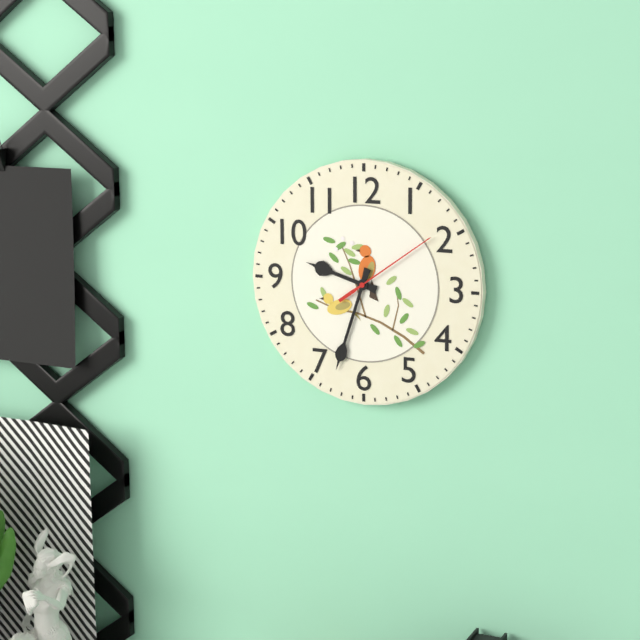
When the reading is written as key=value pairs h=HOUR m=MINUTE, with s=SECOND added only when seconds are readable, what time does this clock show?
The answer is h=9 m=33 s=9
